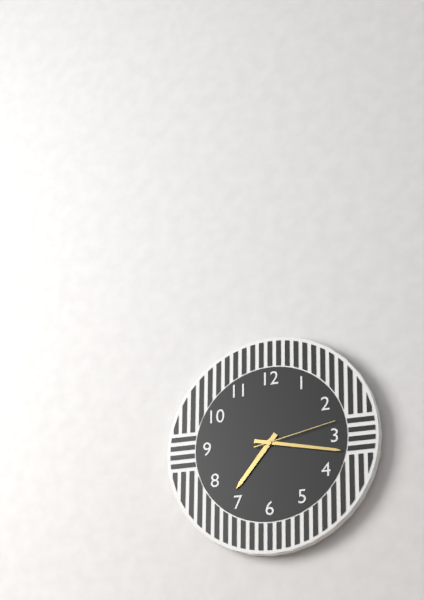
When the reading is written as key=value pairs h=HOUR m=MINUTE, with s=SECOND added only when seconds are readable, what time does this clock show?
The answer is h=7 m=17 s=13
